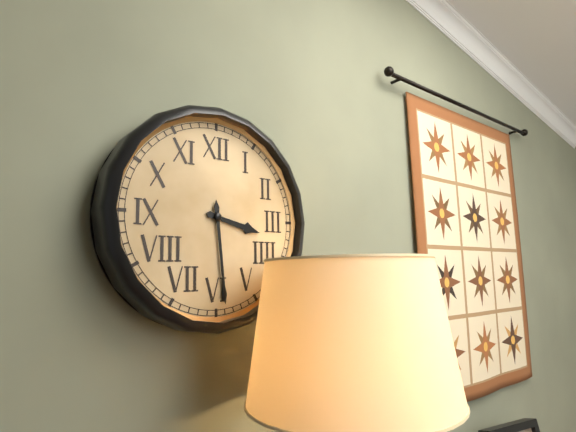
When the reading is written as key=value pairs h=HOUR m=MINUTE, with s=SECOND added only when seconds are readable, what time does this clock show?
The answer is h=3 m=29
